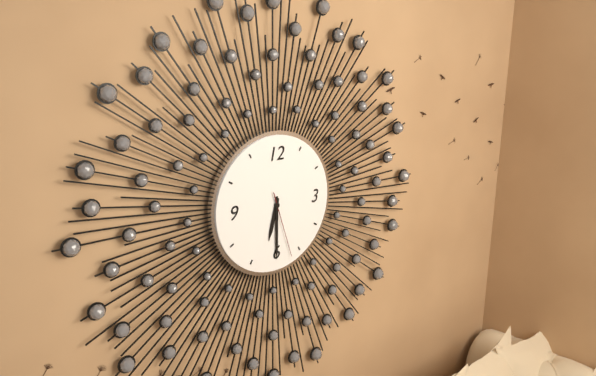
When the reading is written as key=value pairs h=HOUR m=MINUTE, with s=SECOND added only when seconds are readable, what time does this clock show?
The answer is h=6 m=30 s=27
